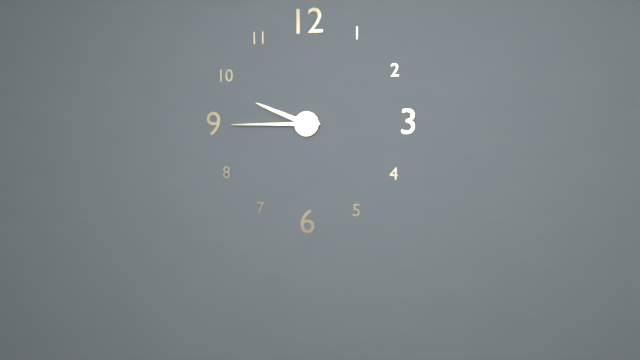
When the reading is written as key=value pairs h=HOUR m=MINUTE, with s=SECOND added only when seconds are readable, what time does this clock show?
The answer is h=9 m=45
